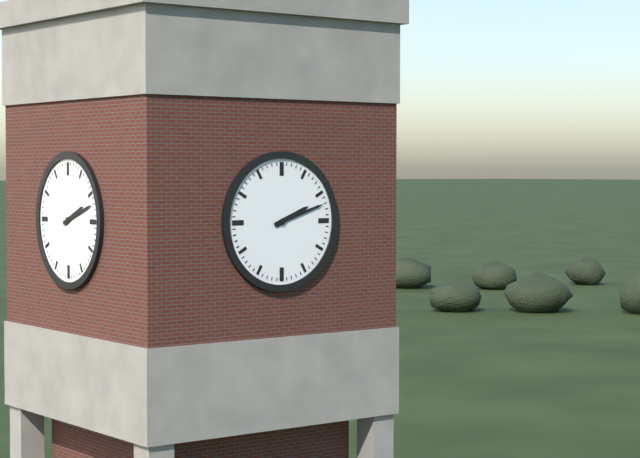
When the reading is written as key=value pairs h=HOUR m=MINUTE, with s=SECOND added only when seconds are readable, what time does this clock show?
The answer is h=2 m=12
